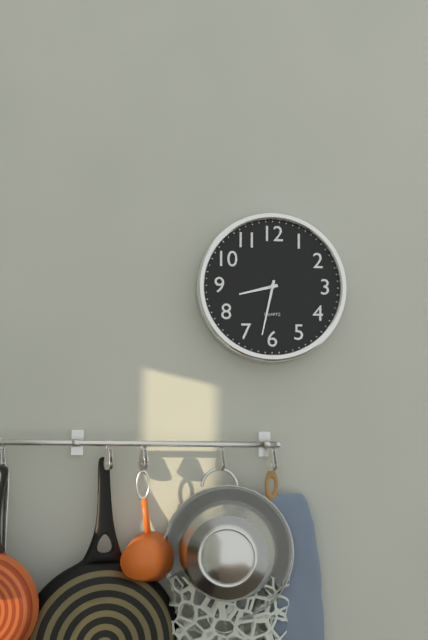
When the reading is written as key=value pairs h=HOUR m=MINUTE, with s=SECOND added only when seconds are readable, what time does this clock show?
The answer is h=8 m=32
